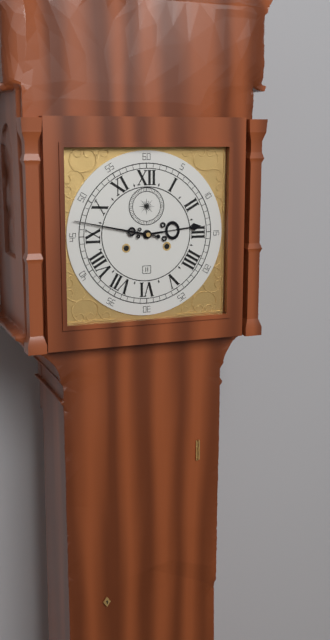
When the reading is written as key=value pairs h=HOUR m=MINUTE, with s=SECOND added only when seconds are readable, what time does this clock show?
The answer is h=2 m=47
